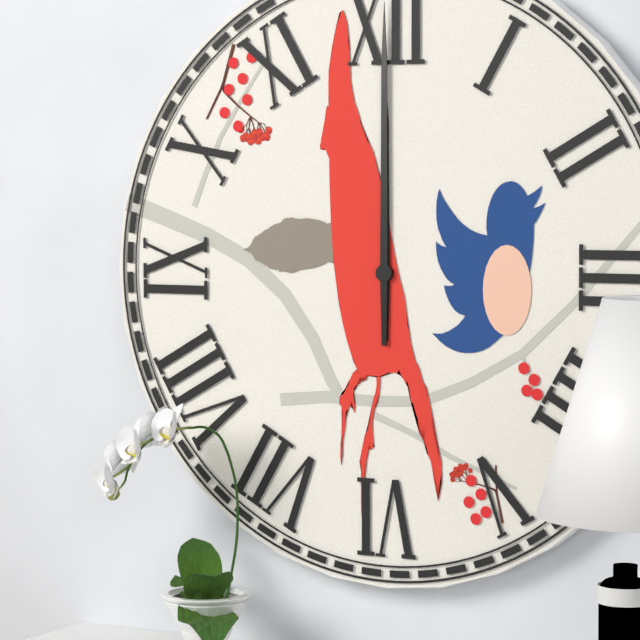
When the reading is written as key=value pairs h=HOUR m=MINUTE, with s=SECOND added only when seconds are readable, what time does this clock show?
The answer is h=12 m=0
